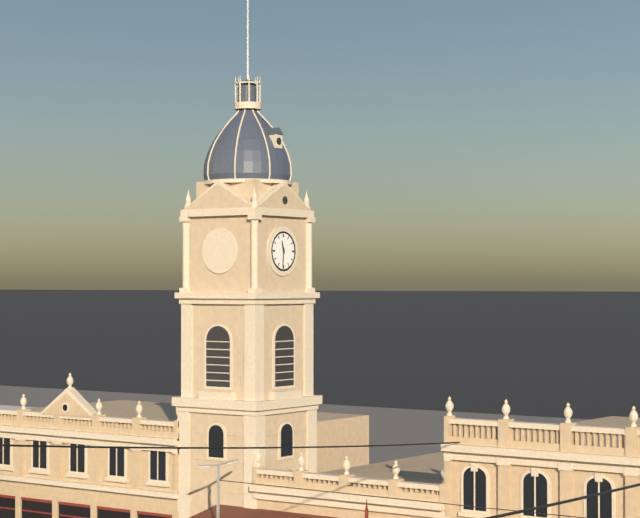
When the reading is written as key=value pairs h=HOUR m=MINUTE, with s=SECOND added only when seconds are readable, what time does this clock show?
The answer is h=11 m=31
